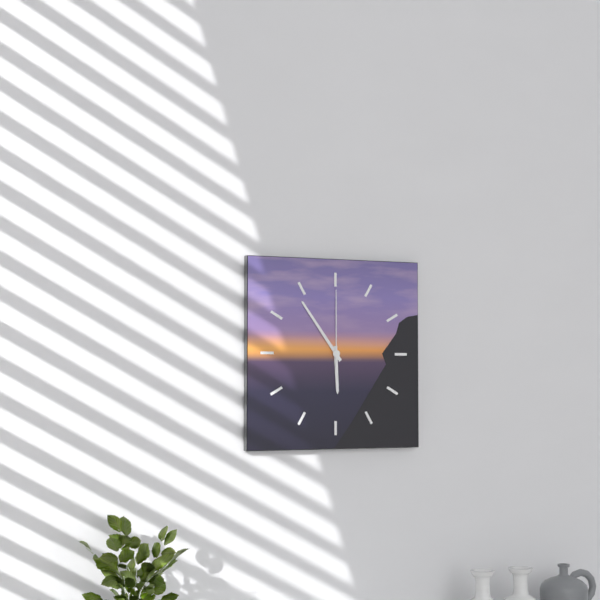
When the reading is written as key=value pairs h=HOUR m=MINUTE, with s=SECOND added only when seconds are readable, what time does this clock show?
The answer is h=5 m=54 s=0
